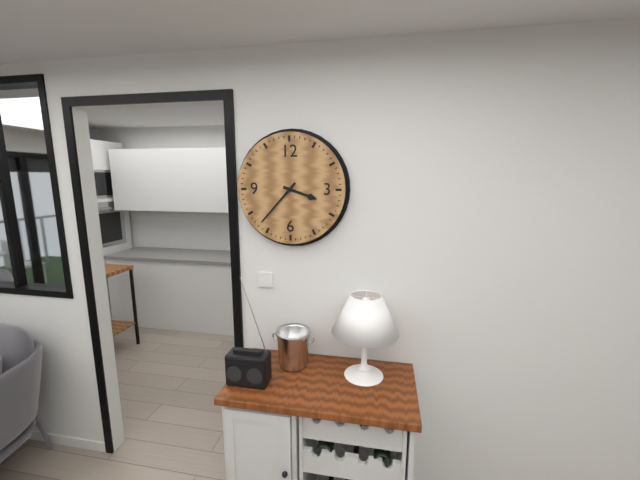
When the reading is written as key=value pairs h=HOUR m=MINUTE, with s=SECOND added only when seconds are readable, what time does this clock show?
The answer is h=3 m=37
